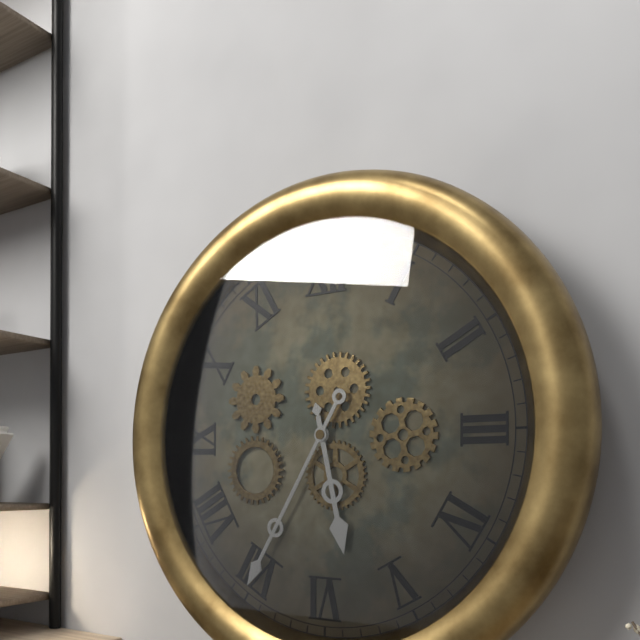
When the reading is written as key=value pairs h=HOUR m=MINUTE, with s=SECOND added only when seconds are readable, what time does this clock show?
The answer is h=5 m=35
